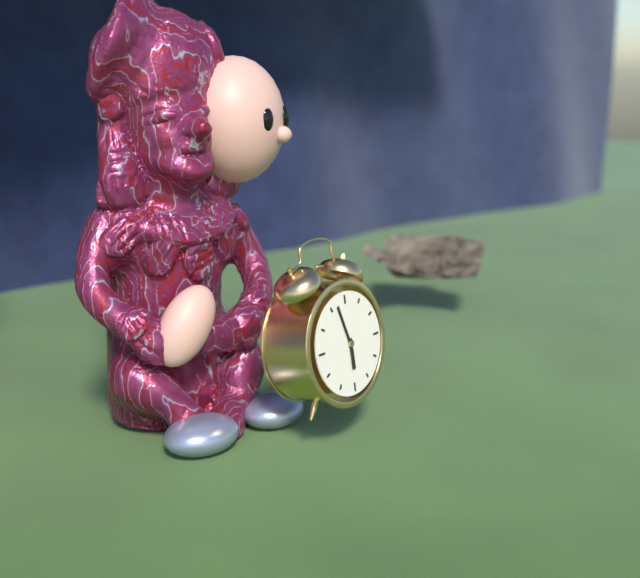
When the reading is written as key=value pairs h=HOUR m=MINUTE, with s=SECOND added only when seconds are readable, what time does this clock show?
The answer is h=5 m=57
